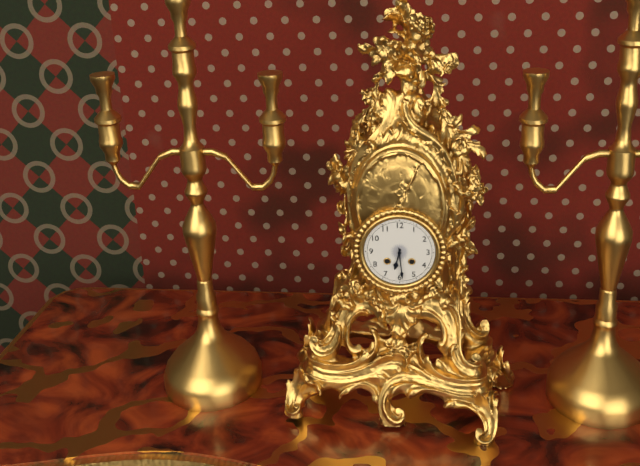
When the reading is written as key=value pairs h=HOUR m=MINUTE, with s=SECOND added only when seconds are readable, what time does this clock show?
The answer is h=6 m=29
